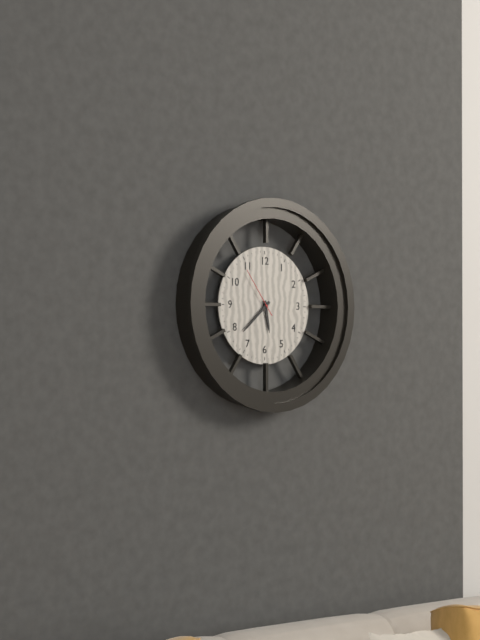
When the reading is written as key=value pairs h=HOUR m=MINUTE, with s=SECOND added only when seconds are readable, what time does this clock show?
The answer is h=5 m=38
